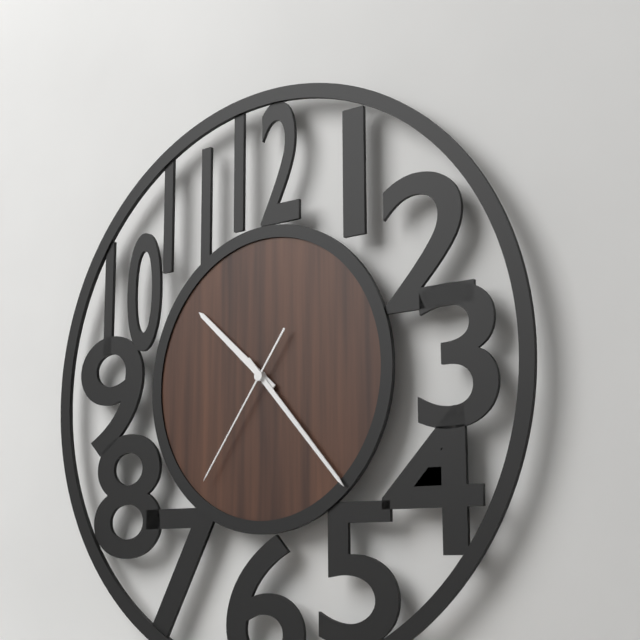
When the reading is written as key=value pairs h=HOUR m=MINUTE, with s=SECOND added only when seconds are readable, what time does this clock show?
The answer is h=10 m=23 s=36
